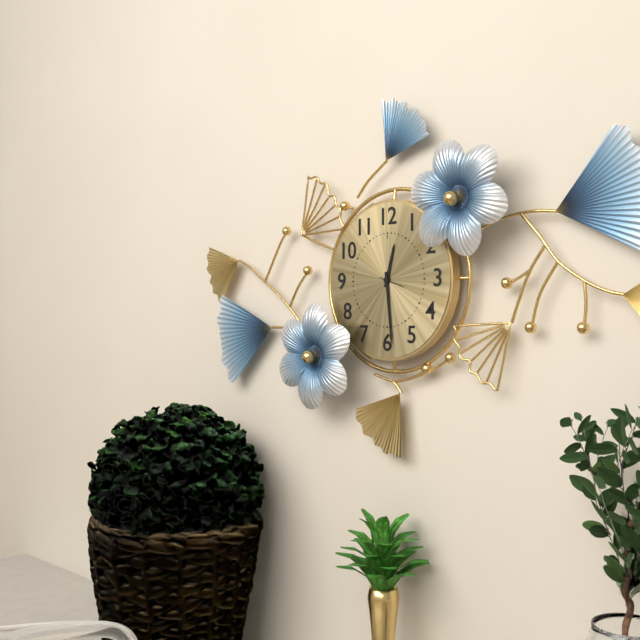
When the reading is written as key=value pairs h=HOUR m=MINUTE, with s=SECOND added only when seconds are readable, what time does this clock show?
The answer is h=12 m=29
